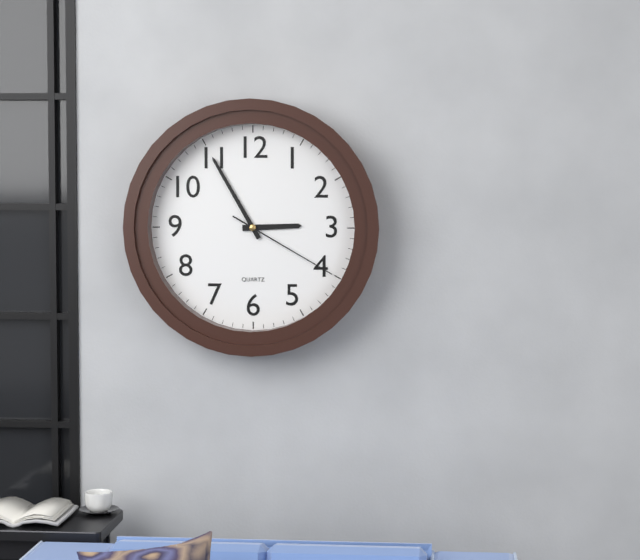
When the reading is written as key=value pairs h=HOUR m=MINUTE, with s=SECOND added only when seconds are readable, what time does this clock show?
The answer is h=2 m=55 s=20
